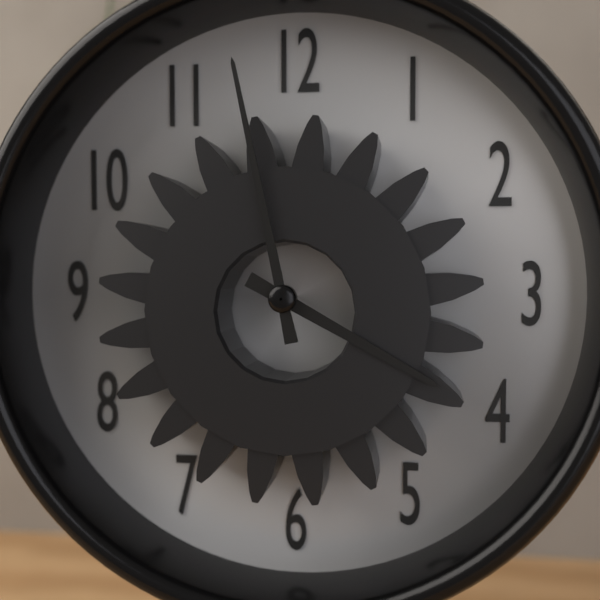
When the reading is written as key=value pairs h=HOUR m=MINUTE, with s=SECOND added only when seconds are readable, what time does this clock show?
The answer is h=3 m=58
